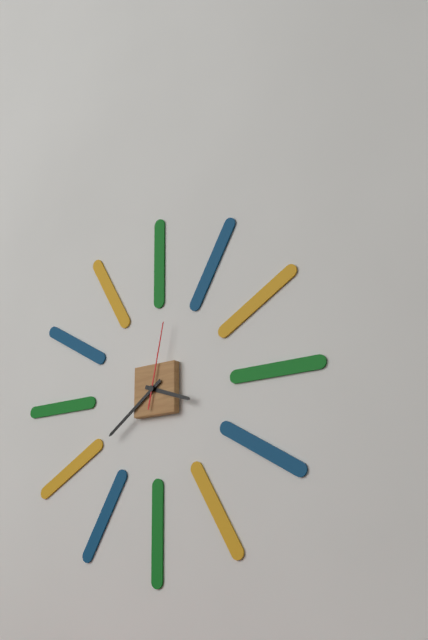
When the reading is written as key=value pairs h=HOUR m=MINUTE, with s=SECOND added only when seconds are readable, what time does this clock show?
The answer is h=3 m=39 s=2
